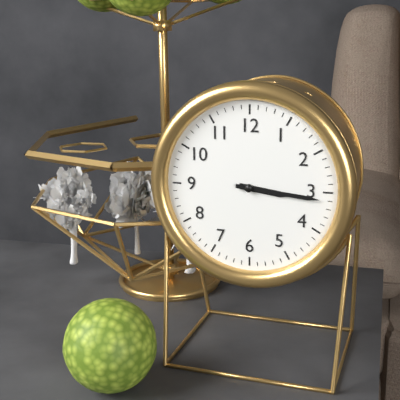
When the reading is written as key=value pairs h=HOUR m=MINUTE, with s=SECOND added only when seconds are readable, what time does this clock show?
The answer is h=3 m=16
